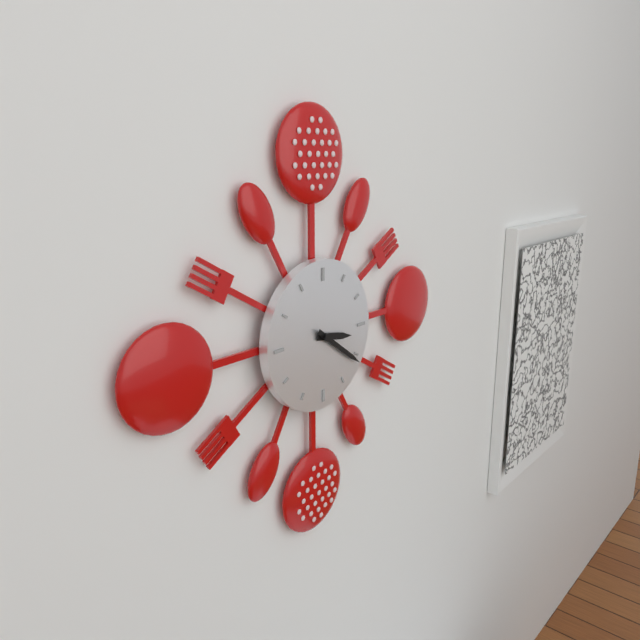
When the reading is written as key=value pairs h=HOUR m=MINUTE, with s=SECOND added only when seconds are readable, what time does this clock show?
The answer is h=3 m=21
